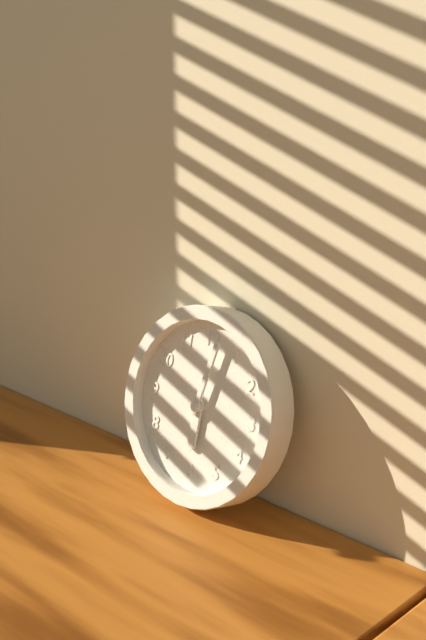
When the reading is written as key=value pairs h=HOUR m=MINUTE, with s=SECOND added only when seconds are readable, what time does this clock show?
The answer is h=6 m=2
